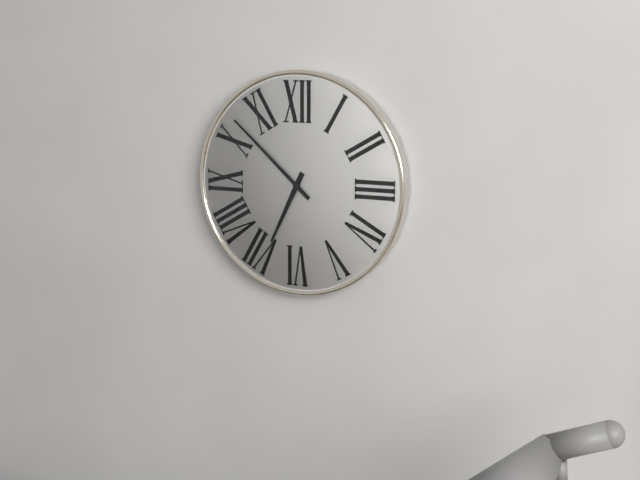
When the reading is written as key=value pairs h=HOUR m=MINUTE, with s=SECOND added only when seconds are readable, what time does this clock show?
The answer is h=6 m=52
